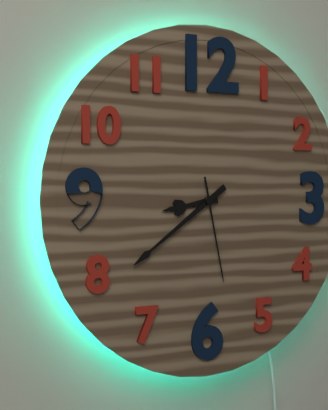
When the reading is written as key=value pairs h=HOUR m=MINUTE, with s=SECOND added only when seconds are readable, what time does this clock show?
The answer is h=8 m=39 s=28
